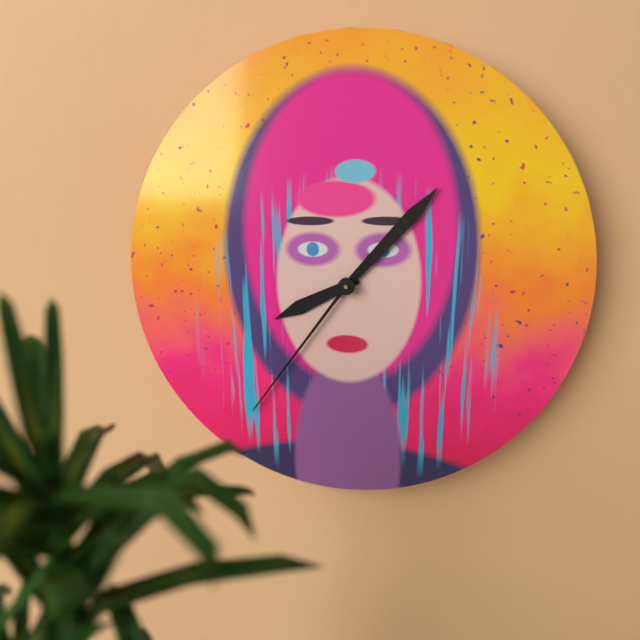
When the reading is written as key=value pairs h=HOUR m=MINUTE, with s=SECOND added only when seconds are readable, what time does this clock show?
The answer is h=8 m=7 s=36
